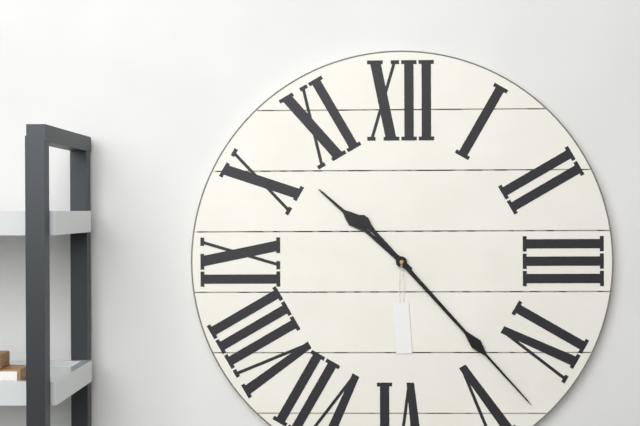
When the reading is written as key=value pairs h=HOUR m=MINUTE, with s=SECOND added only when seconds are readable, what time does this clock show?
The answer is h=10 m=23
